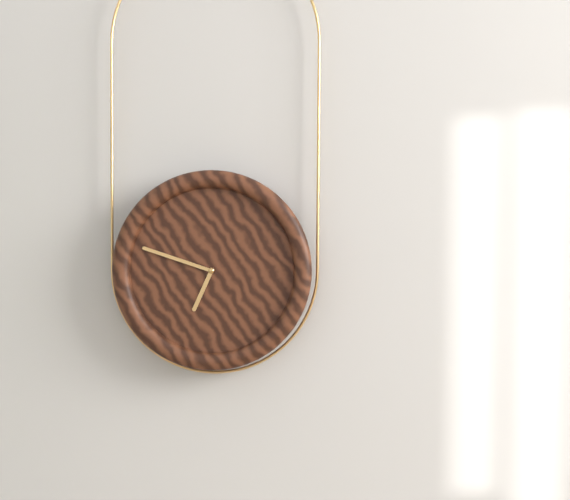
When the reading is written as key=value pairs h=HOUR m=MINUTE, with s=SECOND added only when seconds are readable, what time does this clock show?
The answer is h=6 m=48
